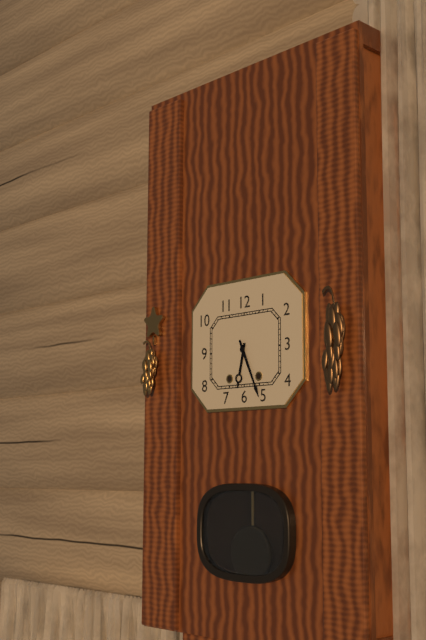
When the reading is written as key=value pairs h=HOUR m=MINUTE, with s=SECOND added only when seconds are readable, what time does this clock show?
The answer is h=6 m=26
